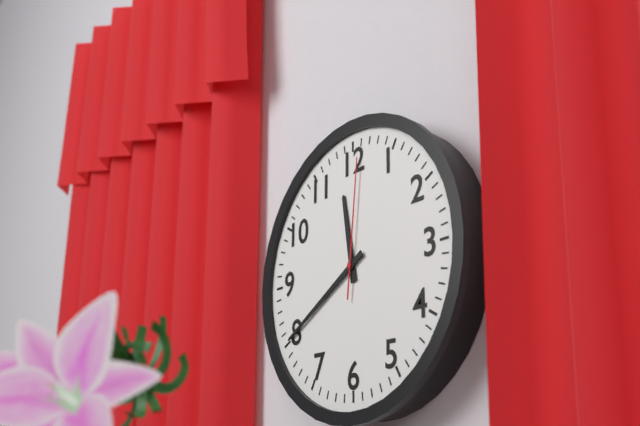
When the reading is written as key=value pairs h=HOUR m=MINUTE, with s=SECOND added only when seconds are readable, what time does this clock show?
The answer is h=11 m=40 s=1
